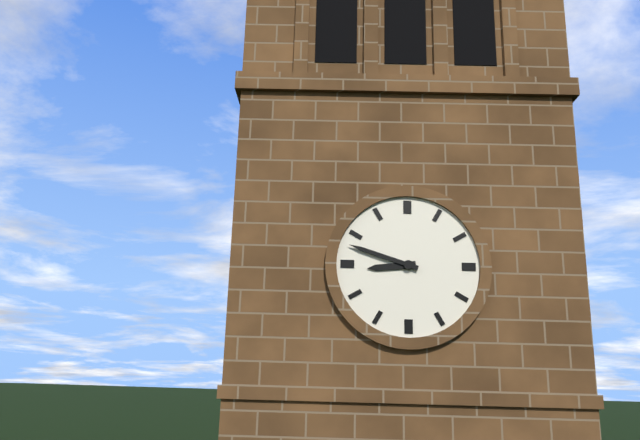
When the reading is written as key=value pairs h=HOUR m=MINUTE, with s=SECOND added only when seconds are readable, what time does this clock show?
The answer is h=8 m=48
